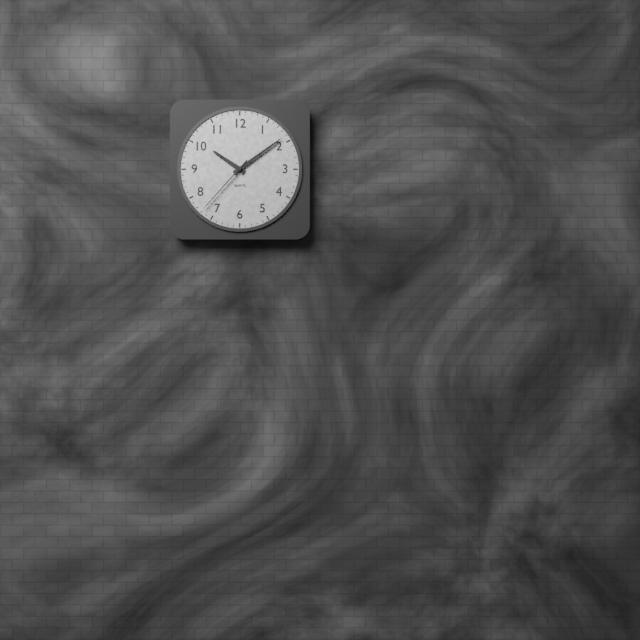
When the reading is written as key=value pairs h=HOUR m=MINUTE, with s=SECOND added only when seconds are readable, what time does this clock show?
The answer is h=10 m=9 s=37
